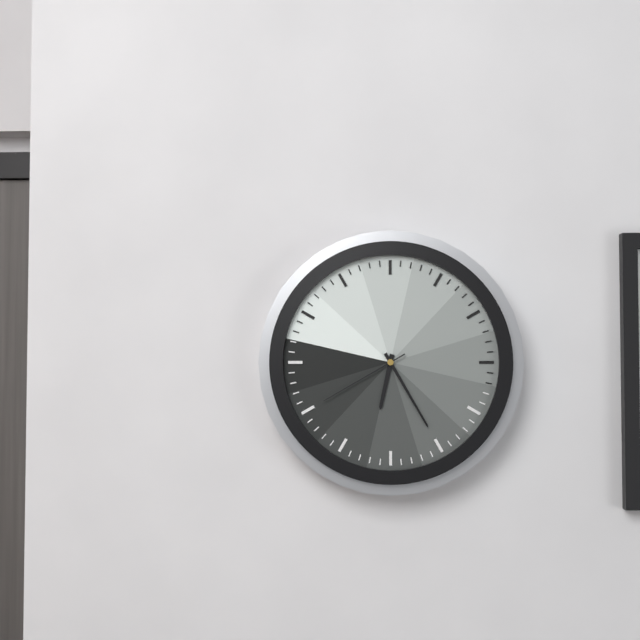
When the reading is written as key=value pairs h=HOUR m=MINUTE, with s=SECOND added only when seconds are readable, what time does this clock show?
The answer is h=6 m=25 s=40
